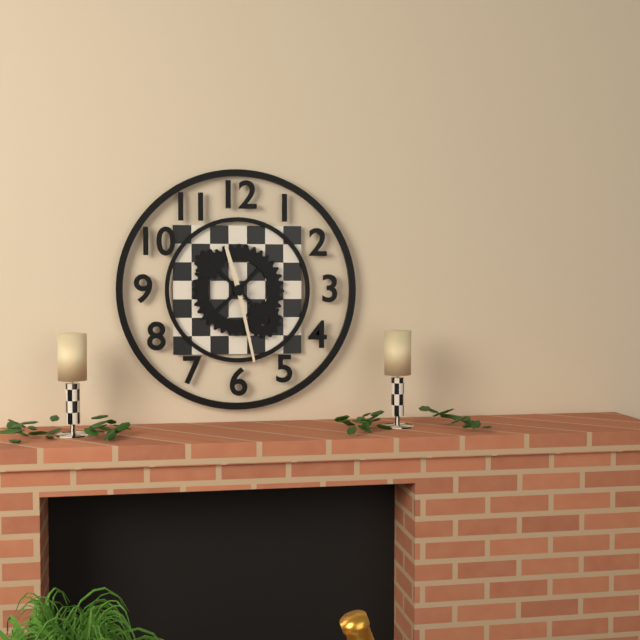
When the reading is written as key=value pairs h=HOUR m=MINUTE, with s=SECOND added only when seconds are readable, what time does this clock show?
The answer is h=11 m=28
